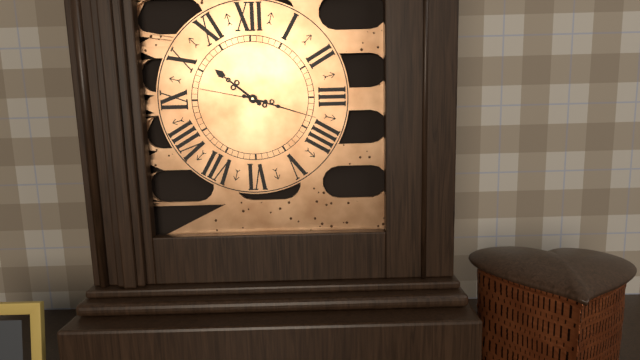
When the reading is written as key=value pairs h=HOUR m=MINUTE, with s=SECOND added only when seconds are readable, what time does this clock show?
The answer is h=10 m=18 s=47
